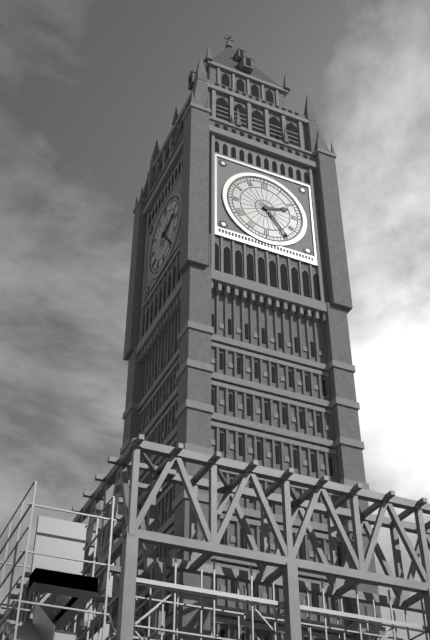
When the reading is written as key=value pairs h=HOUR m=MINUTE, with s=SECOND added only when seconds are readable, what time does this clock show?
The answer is h=2 m=24
